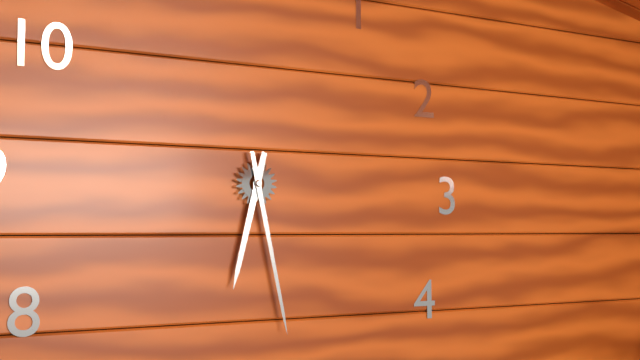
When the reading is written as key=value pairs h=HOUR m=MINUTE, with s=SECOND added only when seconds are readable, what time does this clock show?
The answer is h=6 m=28
